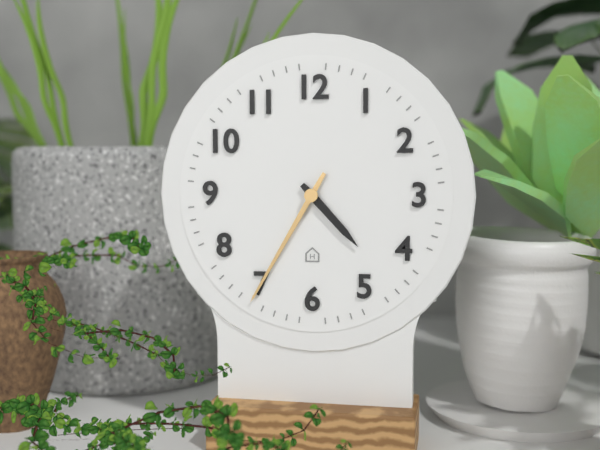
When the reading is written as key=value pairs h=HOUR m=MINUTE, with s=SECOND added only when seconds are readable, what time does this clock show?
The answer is h=4 m=35
